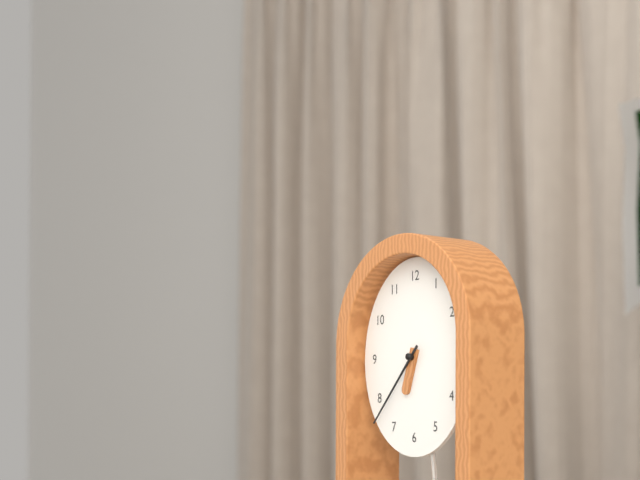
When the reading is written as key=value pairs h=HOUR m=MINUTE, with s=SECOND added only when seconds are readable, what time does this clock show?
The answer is h=6 m=37
